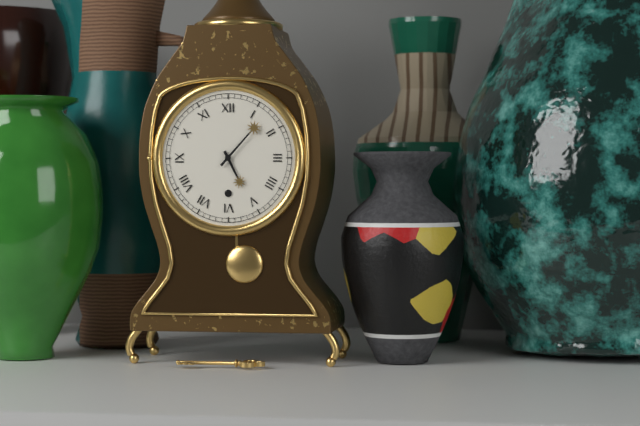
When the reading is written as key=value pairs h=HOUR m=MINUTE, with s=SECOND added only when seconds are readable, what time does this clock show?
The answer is h=5 m=7
